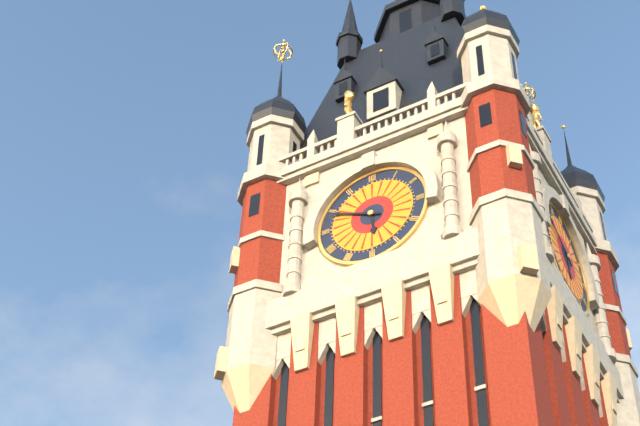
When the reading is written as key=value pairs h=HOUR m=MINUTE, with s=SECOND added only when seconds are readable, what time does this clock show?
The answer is h=5 m=49
